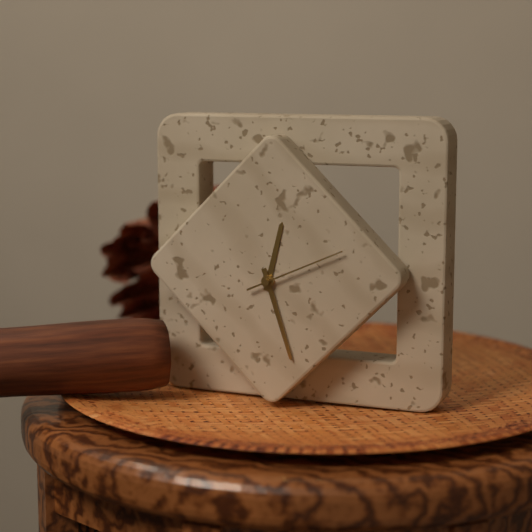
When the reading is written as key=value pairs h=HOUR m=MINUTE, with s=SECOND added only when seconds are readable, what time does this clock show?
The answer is h=12 m=27 s=11
